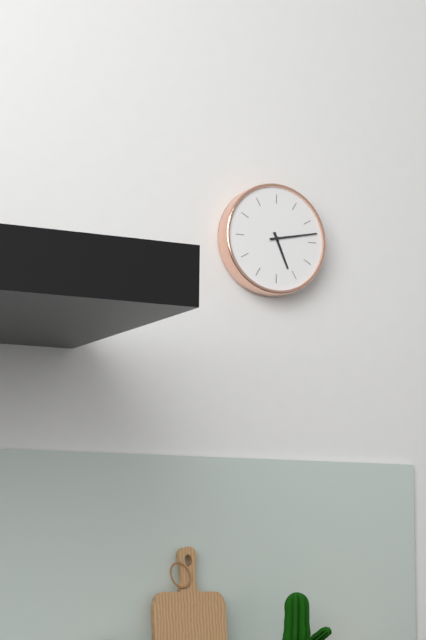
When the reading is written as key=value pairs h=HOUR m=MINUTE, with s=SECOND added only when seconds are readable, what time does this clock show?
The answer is h=5 m=13
